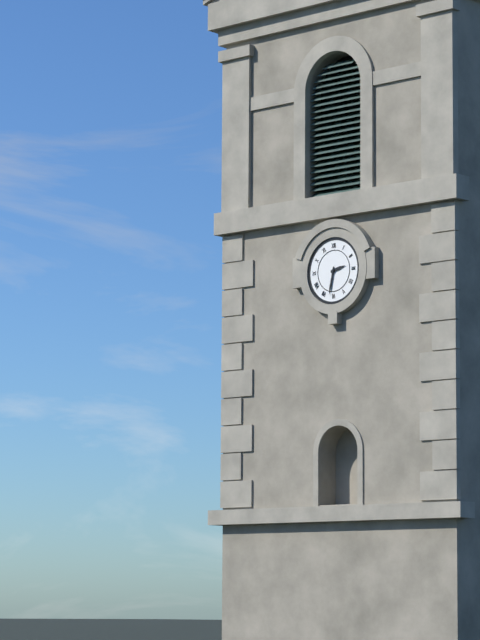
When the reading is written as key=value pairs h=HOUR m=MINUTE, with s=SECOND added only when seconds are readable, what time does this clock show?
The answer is h=2 m=32
